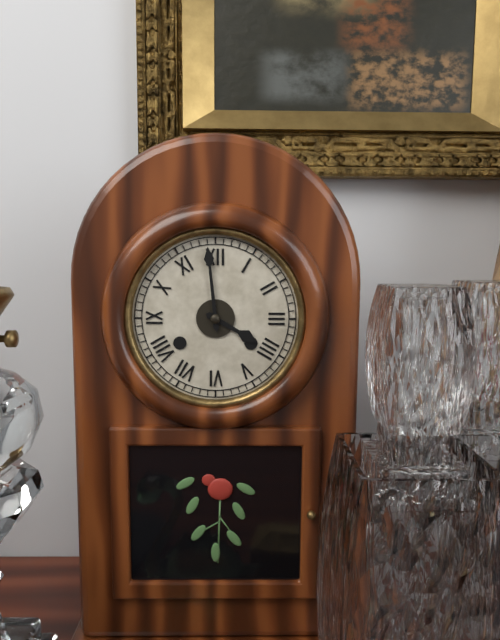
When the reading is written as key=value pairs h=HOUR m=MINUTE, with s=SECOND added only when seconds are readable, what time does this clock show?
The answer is h=3 m=59
